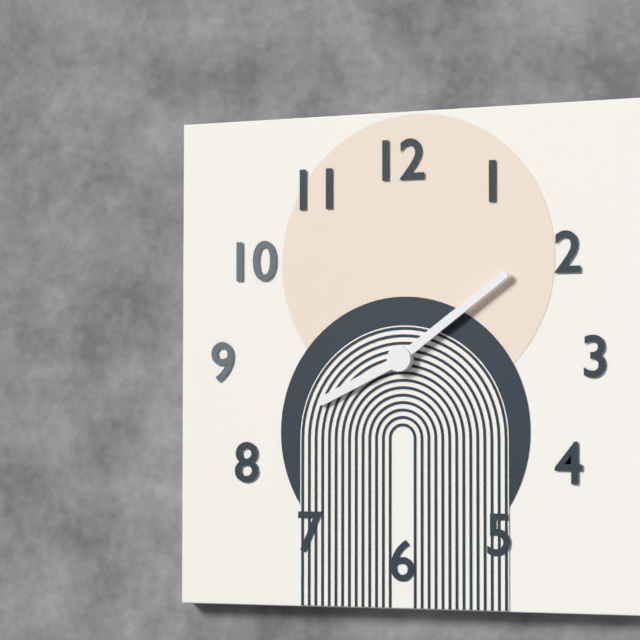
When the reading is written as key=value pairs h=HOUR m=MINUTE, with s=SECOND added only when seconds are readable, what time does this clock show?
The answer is h=8 m=9
